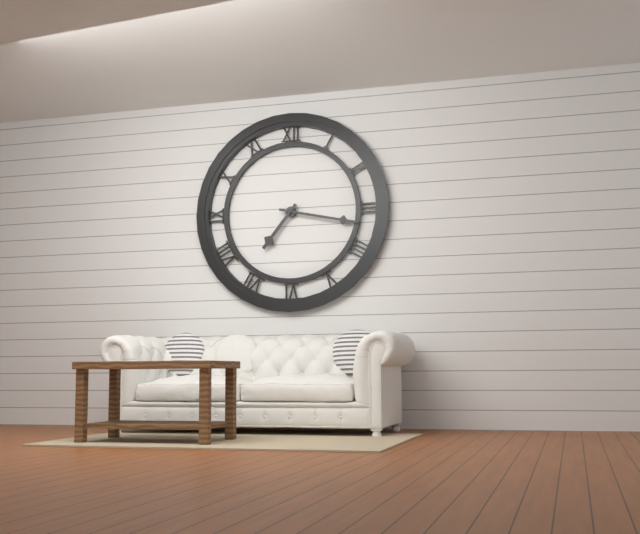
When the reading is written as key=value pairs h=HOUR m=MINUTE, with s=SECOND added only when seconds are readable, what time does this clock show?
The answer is h=7 m=17
